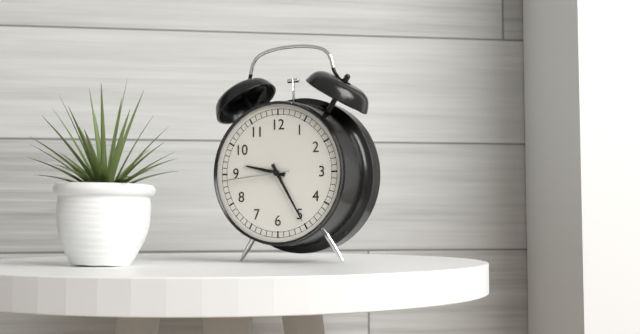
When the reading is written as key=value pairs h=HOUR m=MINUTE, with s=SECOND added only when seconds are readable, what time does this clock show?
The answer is h=9 m=25 s=44
